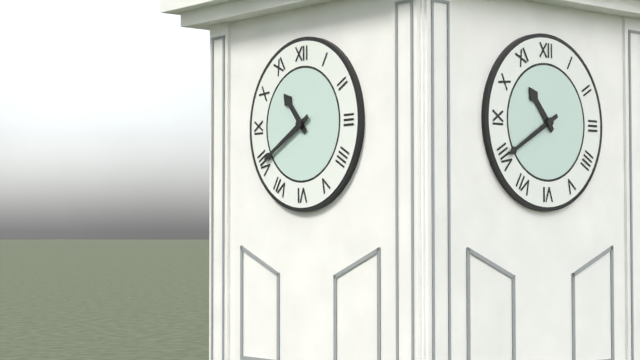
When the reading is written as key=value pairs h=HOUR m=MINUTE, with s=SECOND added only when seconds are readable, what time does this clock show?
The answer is h=10 m=40
